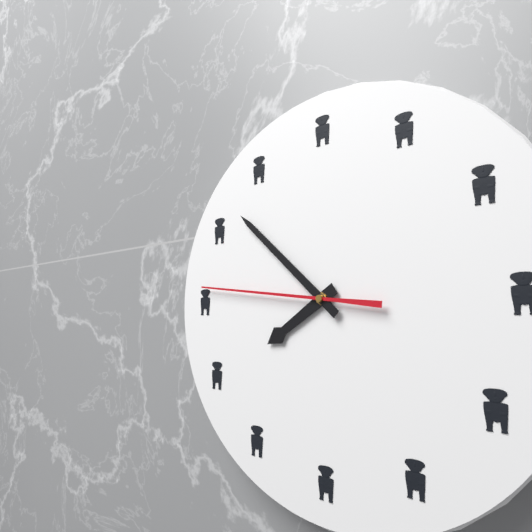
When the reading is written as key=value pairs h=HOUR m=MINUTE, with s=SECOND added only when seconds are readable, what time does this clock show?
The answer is h=7 m=52 s=46
